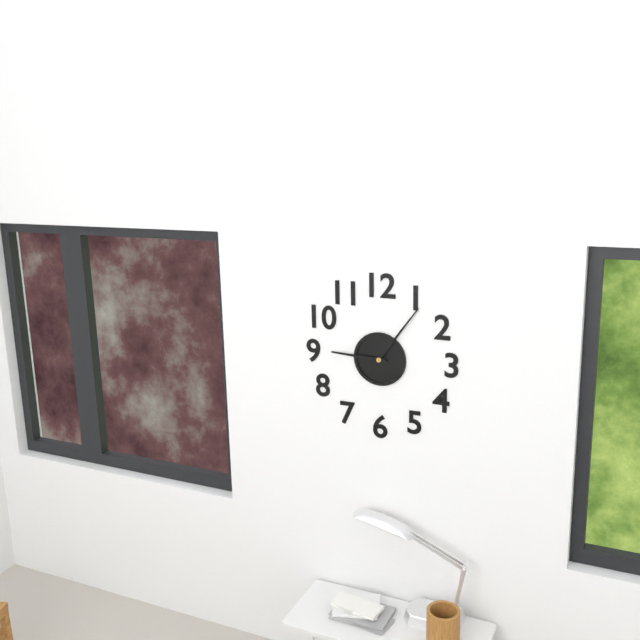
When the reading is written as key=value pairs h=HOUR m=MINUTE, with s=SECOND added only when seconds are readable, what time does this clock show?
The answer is h=9 m=6
